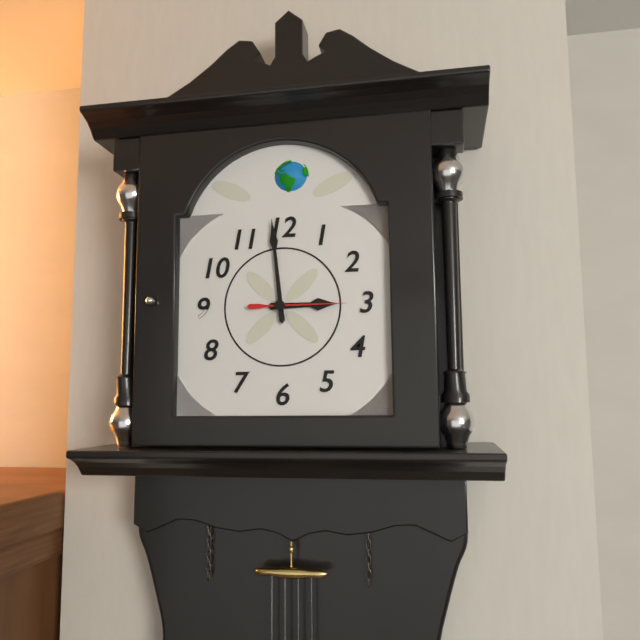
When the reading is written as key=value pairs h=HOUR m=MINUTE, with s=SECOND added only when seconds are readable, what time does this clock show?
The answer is h=2 m=59 s=15
